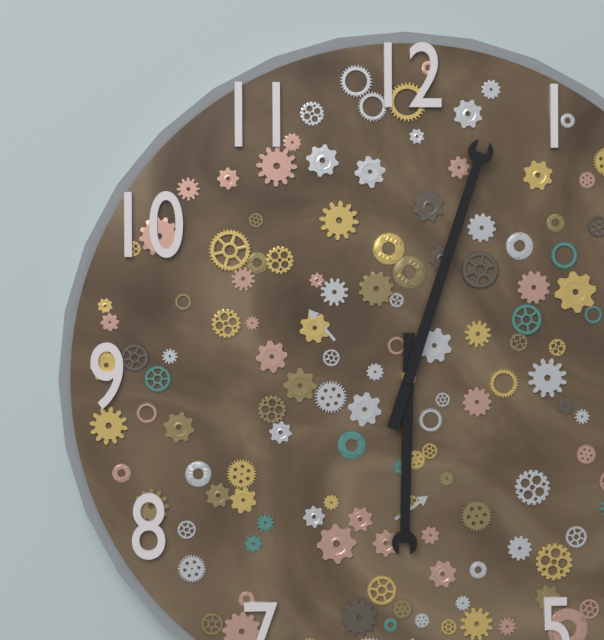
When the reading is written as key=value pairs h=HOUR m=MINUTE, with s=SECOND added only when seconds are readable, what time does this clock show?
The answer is h=6 m=3
